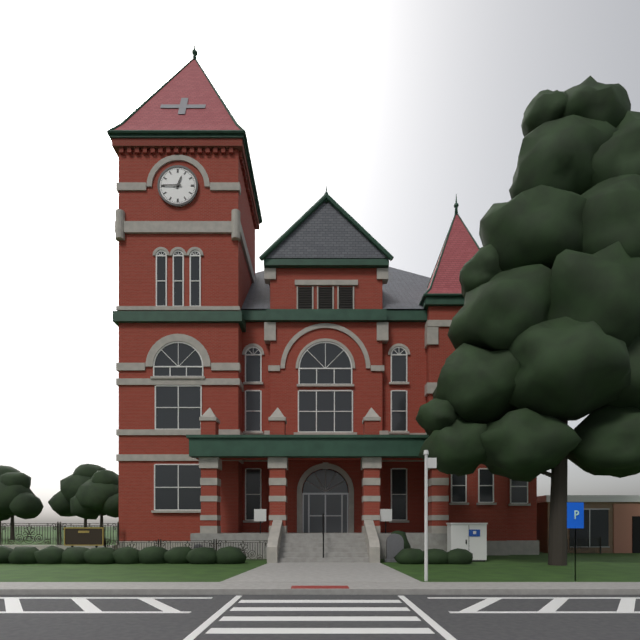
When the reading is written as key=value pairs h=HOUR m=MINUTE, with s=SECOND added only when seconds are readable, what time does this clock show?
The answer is h=12 m=45
